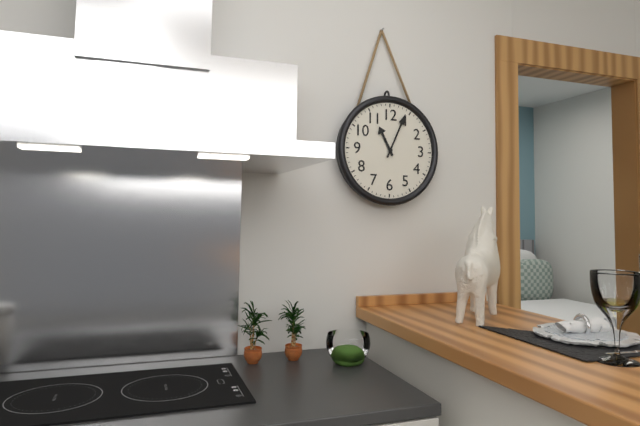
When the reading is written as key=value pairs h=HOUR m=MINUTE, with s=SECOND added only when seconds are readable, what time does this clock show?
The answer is h=11 m=4
